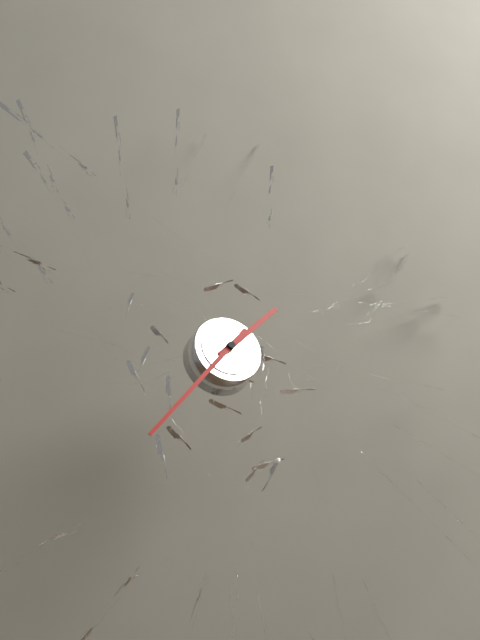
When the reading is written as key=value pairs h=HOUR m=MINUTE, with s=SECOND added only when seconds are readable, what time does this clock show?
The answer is h=1 m=37
